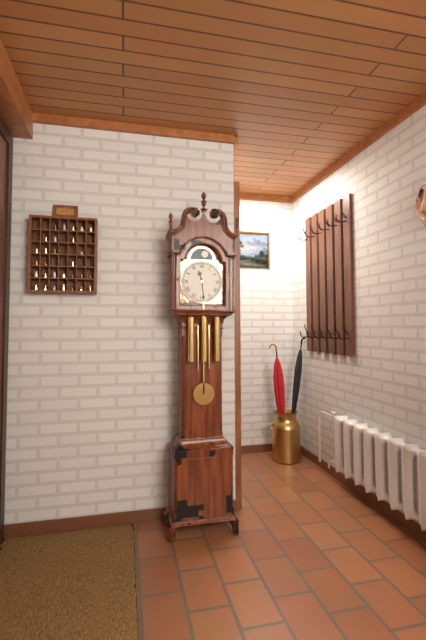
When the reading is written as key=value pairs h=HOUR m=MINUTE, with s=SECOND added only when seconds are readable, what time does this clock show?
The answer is h=11 m=29
